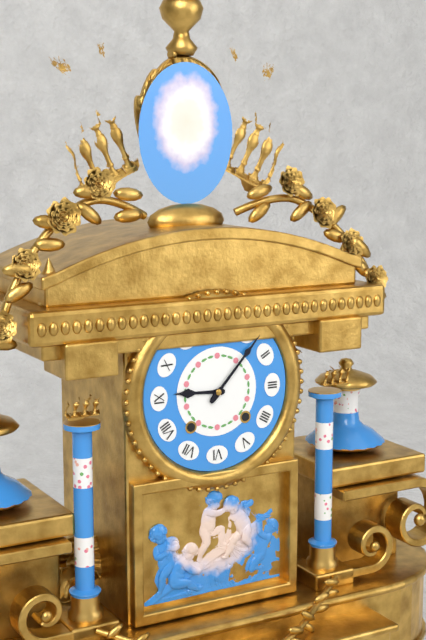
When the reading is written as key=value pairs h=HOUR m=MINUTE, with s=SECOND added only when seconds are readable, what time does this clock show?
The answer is h=9 m=7
